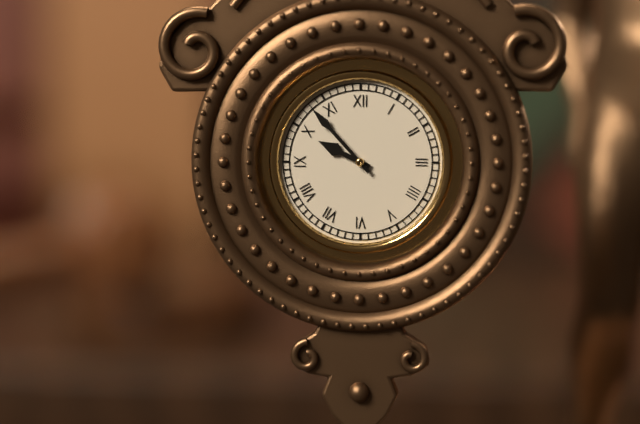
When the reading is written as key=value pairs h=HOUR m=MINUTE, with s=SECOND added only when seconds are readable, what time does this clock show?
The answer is h=9 m=53
